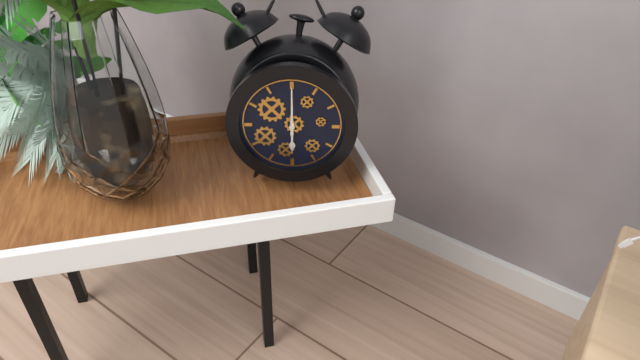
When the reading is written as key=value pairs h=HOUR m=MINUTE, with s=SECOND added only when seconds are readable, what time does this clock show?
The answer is h=6 m=0
